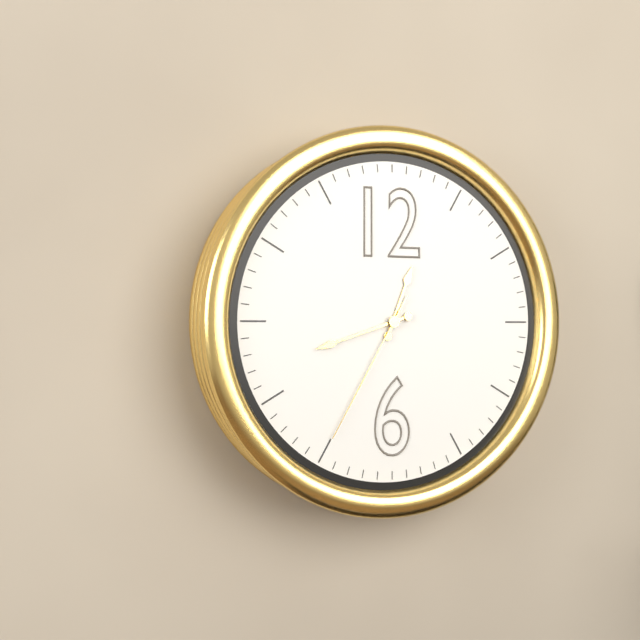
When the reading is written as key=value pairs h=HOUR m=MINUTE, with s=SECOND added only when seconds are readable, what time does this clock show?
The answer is h=12 m=42 s=35
